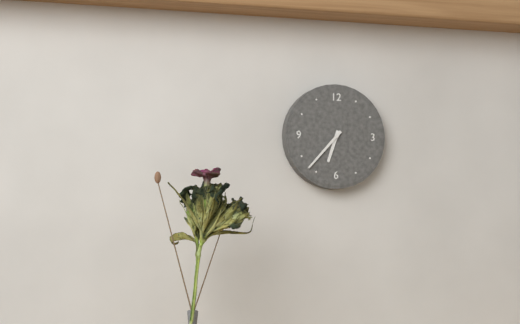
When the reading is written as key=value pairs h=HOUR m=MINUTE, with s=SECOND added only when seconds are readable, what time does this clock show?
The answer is h=6 m=37
